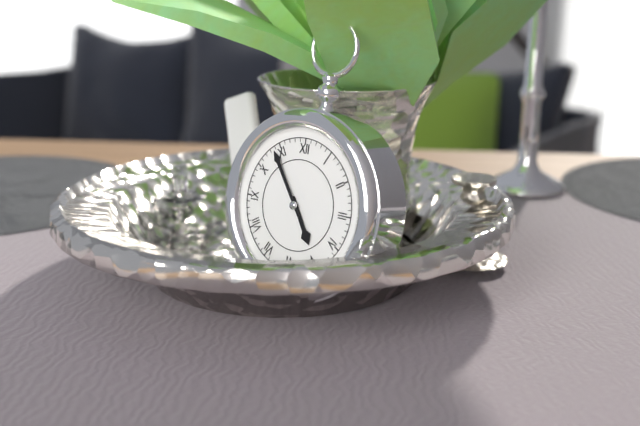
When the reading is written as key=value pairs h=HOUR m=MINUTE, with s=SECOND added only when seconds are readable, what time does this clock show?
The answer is h=4 m=54
